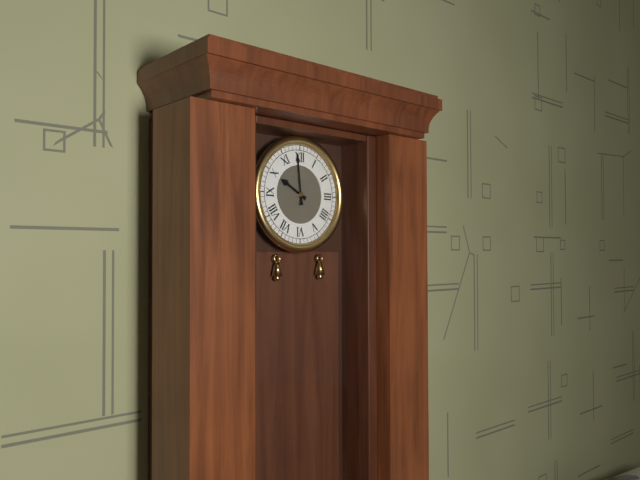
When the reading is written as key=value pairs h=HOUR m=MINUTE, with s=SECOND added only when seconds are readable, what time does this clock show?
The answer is h=9 m=59
